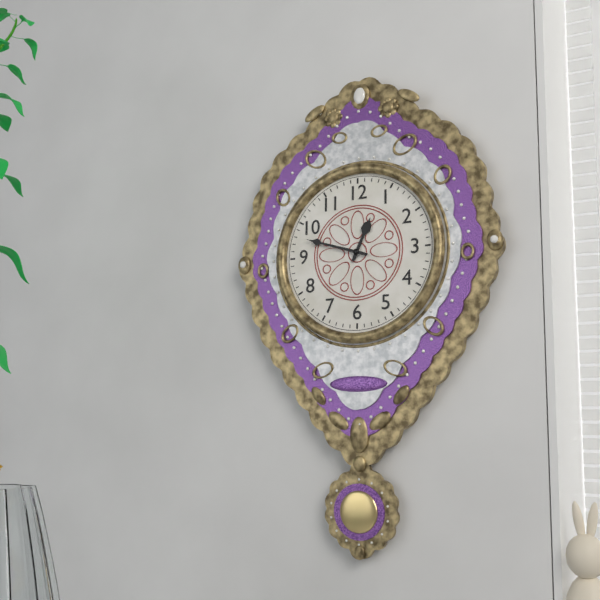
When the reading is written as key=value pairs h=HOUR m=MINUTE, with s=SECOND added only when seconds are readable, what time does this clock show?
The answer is h=12 m=48
